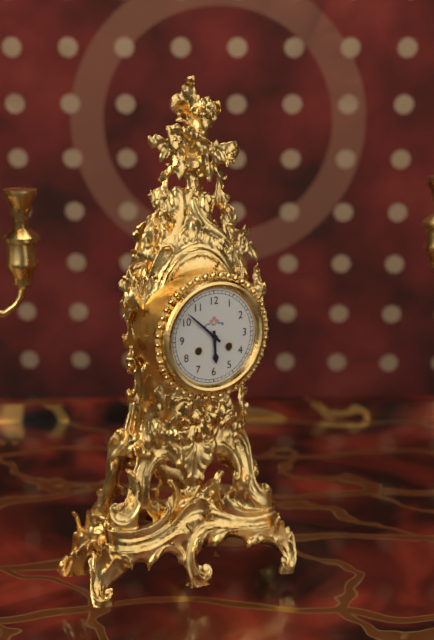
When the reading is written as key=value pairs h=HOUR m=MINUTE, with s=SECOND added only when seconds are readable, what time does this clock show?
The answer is h=5 m=52
